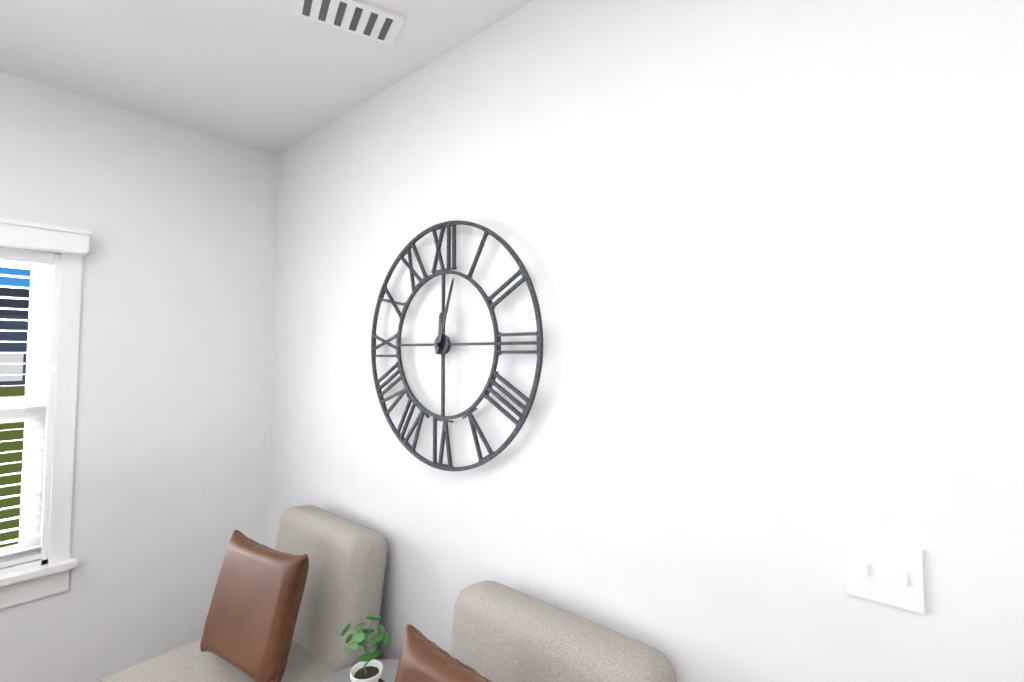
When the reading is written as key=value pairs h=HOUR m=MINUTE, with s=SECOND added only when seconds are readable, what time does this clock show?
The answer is h=12 m=3
